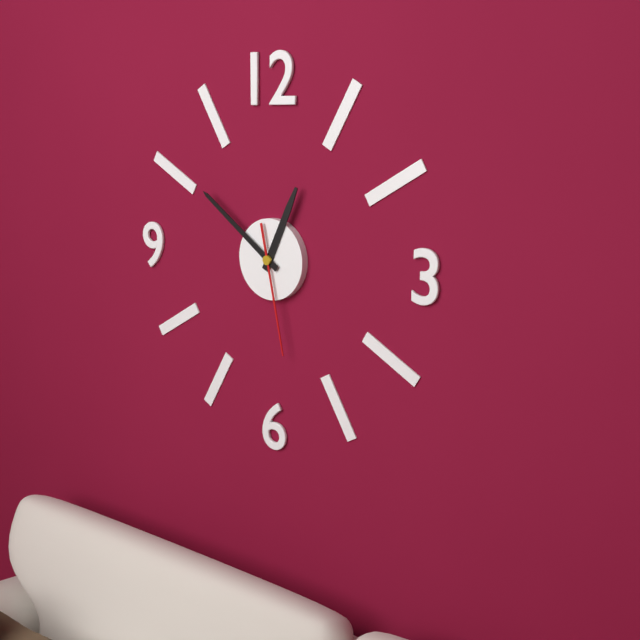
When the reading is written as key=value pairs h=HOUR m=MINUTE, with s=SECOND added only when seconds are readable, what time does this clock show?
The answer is h=12 m=51 s=28
